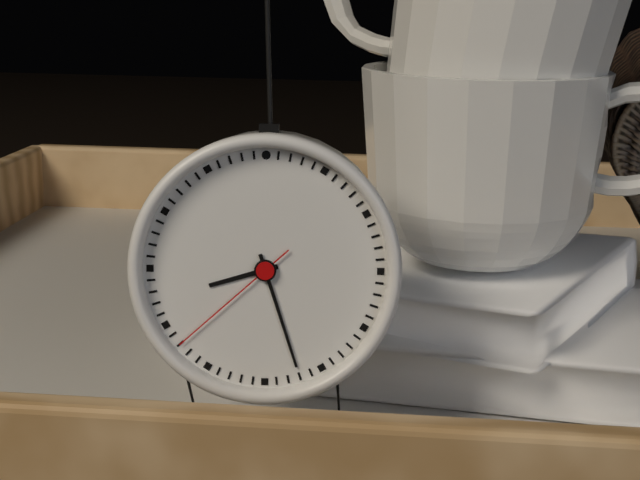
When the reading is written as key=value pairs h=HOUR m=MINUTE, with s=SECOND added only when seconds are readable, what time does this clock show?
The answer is h=8 m=27 s=38
